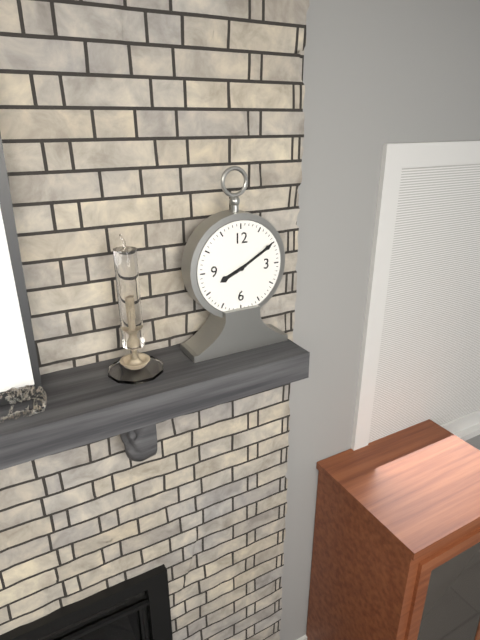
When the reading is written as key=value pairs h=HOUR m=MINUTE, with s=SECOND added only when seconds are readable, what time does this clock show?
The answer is h=8 m=10
